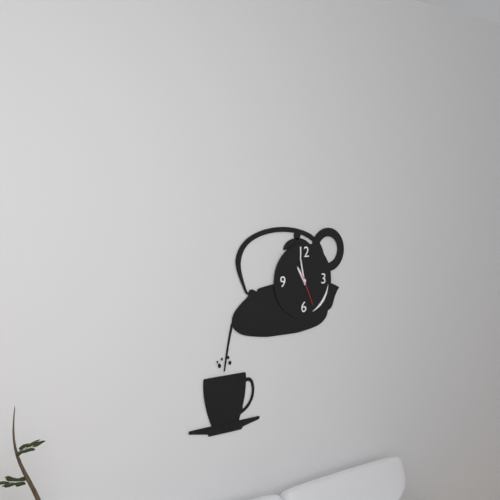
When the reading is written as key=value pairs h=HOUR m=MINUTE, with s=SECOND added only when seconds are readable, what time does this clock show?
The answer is h=10 m=58
